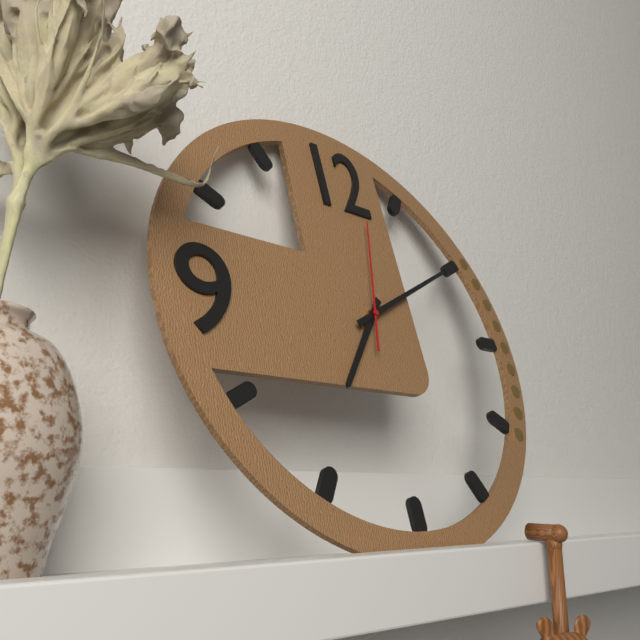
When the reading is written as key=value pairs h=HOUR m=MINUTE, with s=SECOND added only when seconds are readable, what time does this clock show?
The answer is h=7 m=10 s=2
